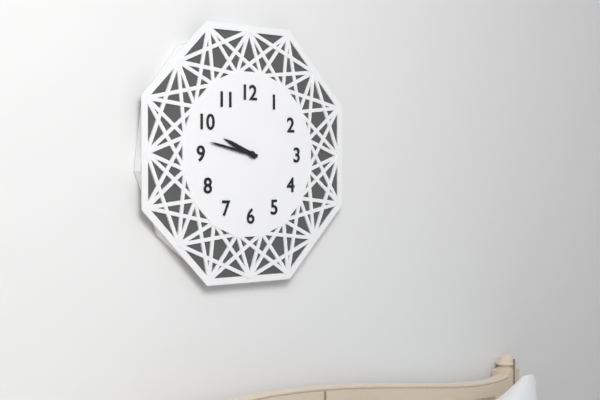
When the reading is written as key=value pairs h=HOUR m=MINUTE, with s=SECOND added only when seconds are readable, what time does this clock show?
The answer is h=9 m=47
